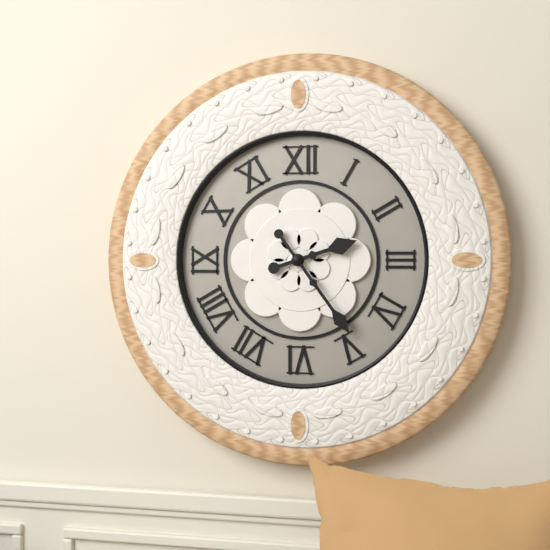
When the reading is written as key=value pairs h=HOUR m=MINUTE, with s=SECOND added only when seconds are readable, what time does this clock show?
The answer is h=2 m=24
